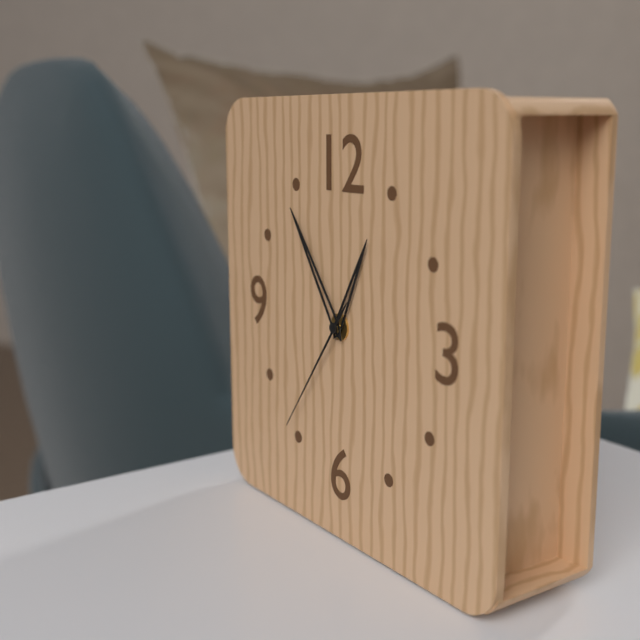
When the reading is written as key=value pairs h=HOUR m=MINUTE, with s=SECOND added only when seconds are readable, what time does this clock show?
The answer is h=12 m=54 s=36
